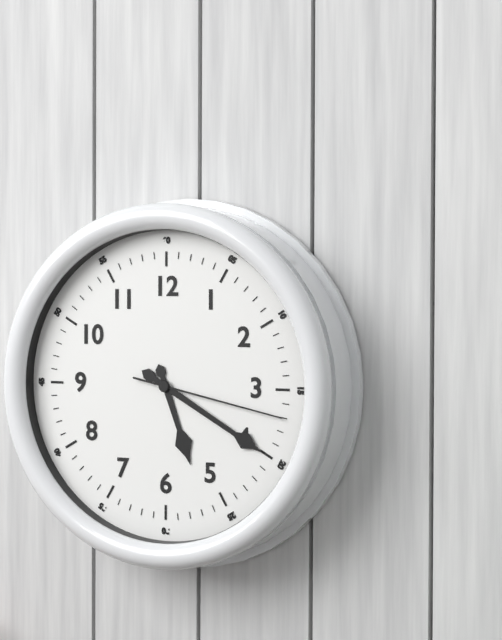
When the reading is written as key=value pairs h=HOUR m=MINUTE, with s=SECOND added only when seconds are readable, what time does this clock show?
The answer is h=5 m=20 s=17
